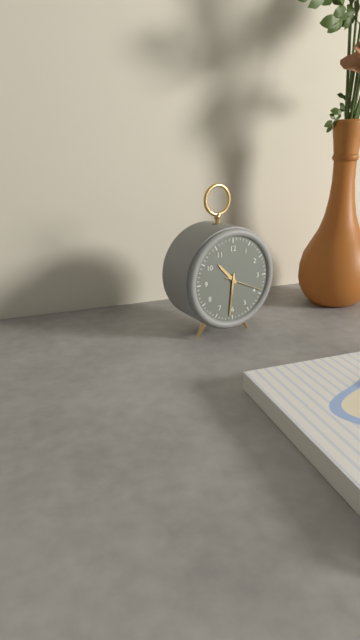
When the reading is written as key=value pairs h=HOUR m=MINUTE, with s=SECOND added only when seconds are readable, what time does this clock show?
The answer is h=10 m=31
